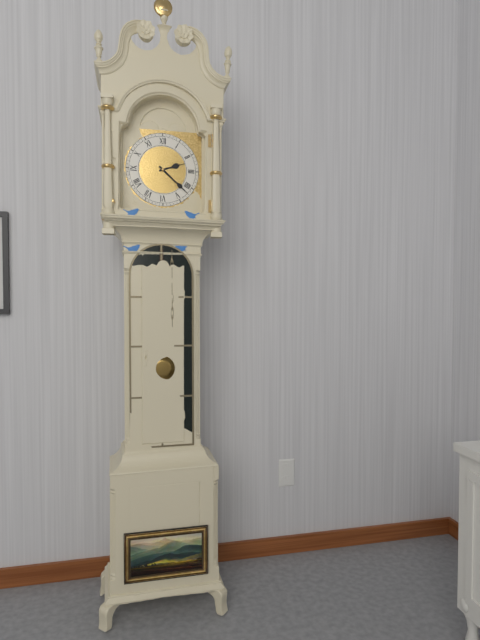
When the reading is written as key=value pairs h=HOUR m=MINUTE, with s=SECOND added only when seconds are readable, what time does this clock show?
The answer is h=2 m=22
